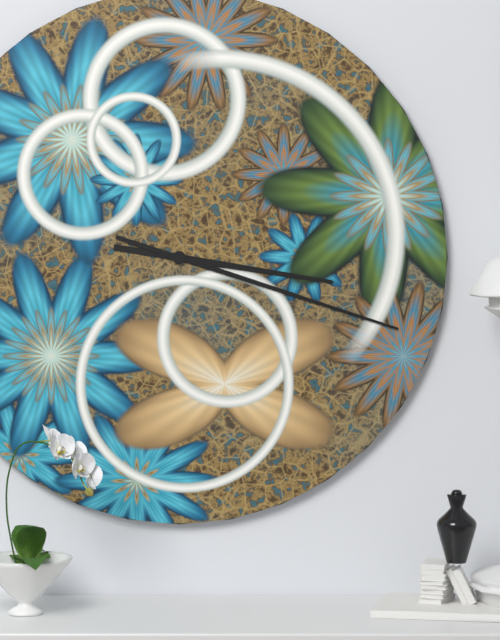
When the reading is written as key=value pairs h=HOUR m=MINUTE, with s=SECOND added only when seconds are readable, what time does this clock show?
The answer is h=3 m=18
